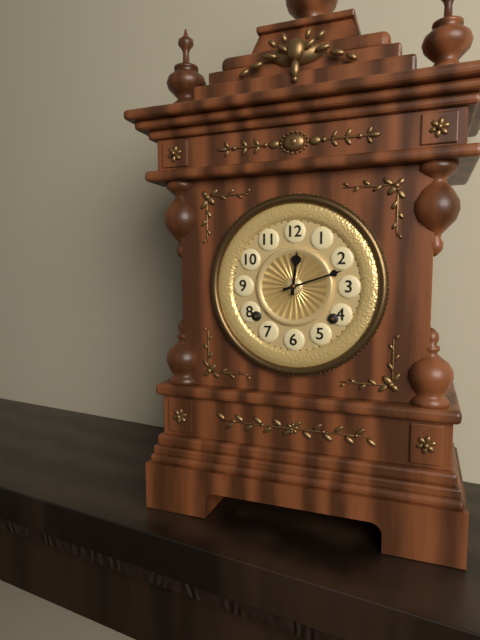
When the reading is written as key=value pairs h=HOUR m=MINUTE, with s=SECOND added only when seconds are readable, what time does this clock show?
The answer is h=12 m=12
